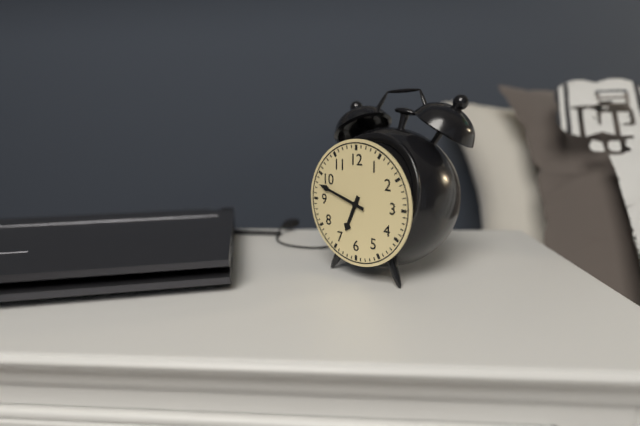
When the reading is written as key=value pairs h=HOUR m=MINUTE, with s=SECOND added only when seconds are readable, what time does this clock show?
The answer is h=6 m=48
